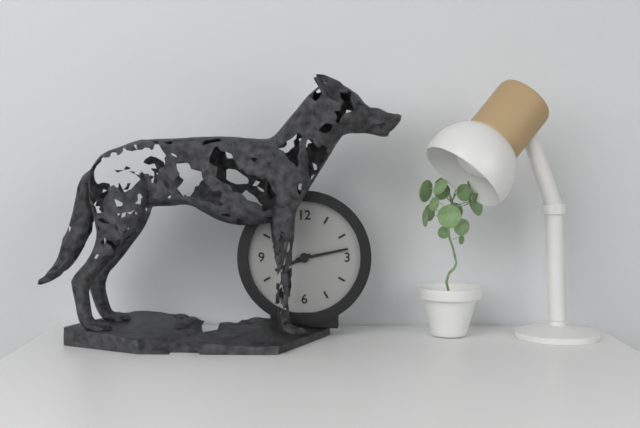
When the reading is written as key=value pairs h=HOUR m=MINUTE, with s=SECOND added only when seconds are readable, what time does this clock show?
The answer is h=8 m=13
